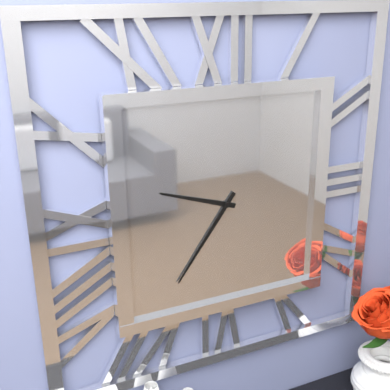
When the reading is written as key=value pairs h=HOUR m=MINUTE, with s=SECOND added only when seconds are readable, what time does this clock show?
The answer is h=9 m=36
